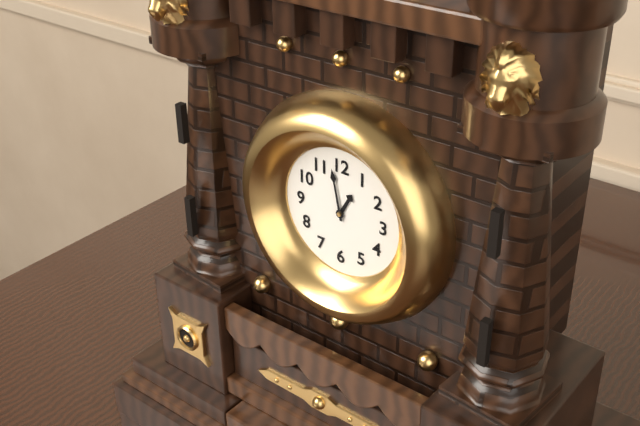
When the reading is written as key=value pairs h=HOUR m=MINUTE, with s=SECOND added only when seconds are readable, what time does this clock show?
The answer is h=12 m=58
